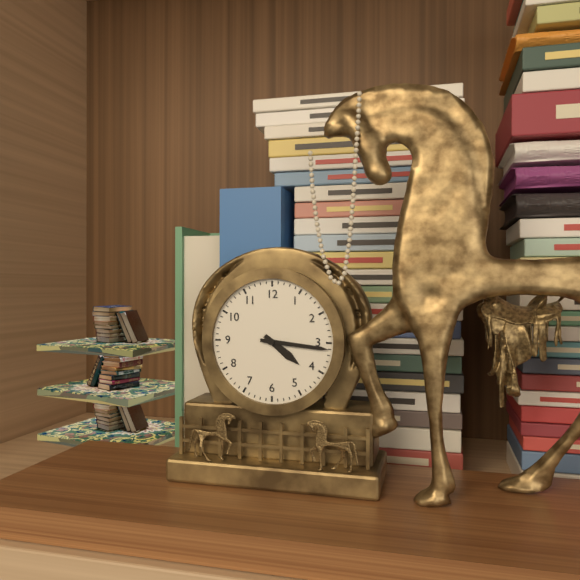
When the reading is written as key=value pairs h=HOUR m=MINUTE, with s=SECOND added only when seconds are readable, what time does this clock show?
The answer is h=4 m=16
